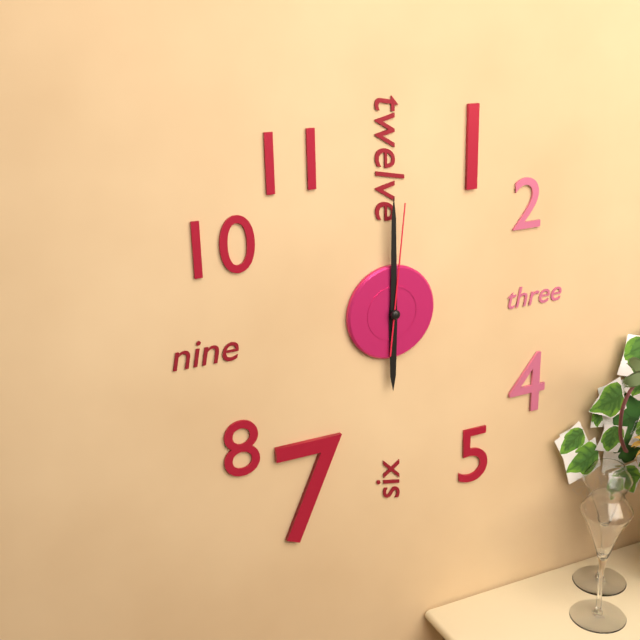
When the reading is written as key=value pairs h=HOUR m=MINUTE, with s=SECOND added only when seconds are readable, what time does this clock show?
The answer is h=6 m=0 s=1
